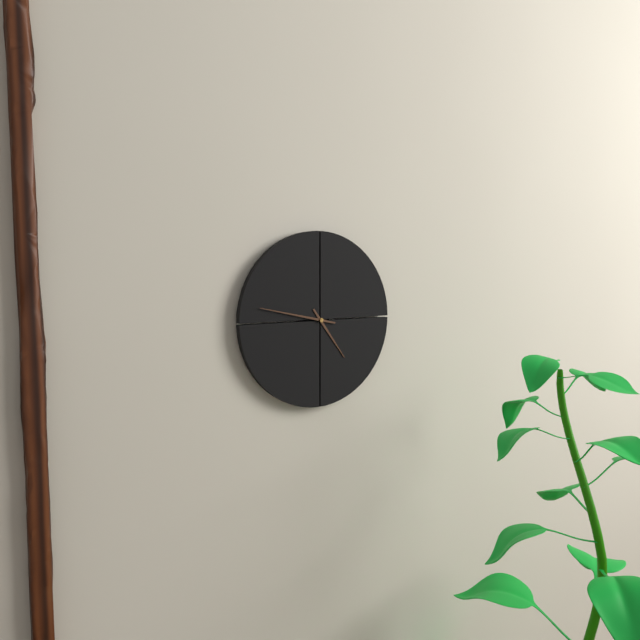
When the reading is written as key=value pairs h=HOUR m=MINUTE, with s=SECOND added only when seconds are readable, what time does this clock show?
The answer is h=4 m=47
